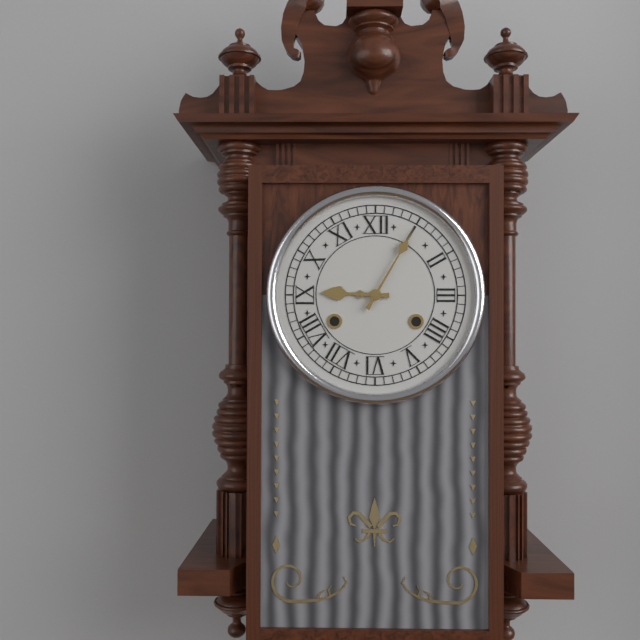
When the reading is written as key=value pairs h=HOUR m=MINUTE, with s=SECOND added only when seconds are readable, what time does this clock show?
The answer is h=9 m=5
